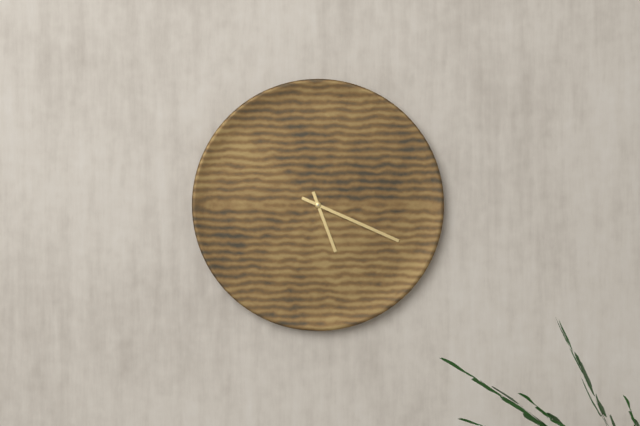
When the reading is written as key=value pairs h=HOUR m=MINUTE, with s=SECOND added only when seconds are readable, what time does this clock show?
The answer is h=5 m=19
